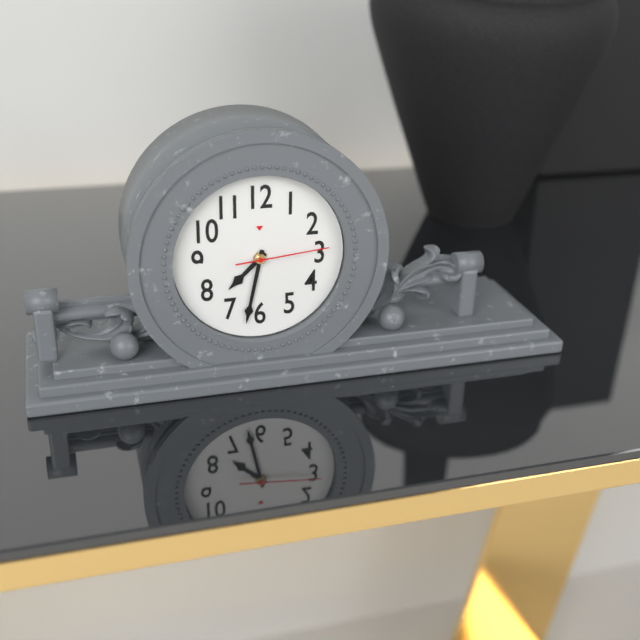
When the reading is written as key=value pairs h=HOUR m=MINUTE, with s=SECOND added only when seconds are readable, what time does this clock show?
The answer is h=7 m=32 s=14
